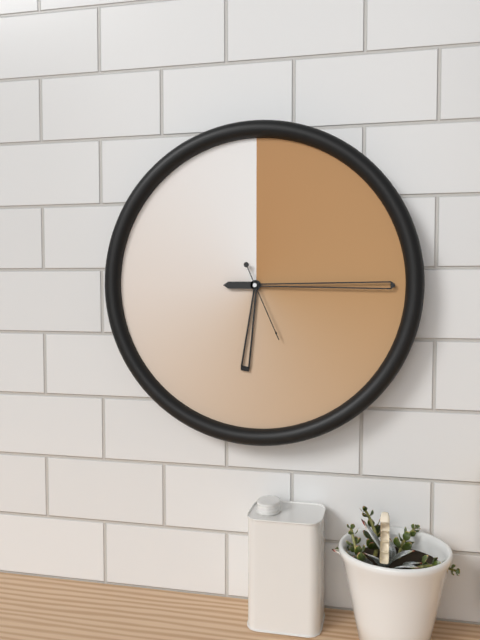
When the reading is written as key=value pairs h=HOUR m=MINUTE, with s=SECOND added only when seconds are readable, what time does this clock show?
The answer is h=6 m=15 s=26
